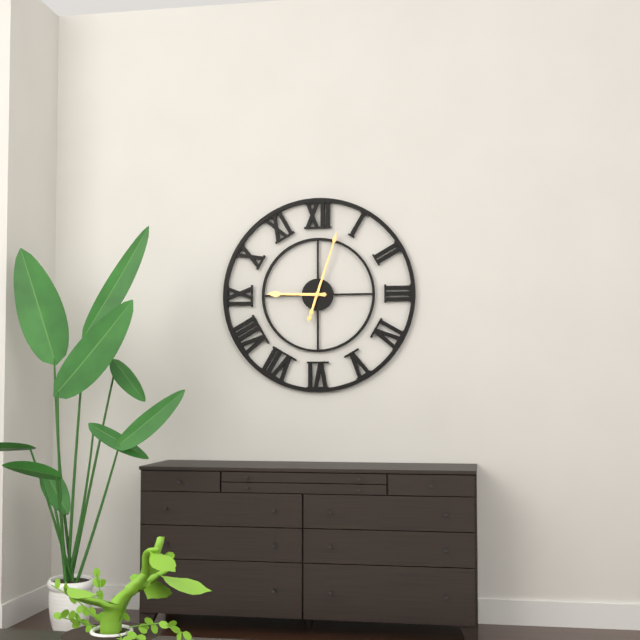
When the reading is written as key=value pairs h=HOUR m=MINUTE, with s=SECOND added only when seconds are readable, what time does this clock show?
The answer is h=9 m=3
